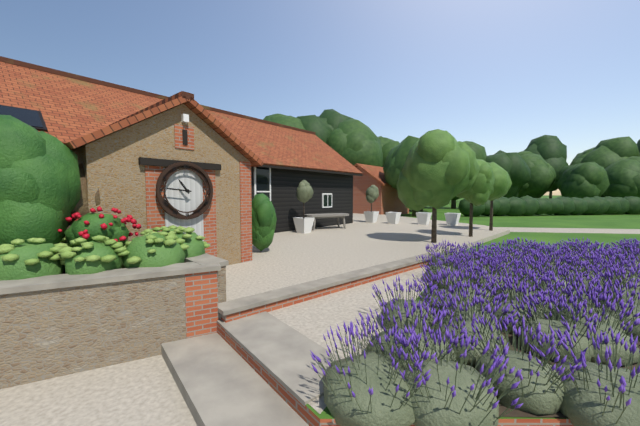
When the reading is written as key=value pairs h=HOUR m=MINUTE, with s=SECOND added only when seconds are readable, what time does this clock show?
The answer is h=10 m=46
